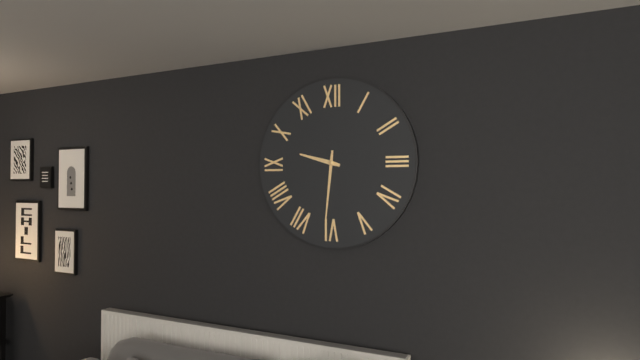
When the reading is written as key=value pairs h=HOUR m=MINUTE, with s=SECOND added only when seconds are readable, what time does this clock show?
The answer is h=9 m=31
